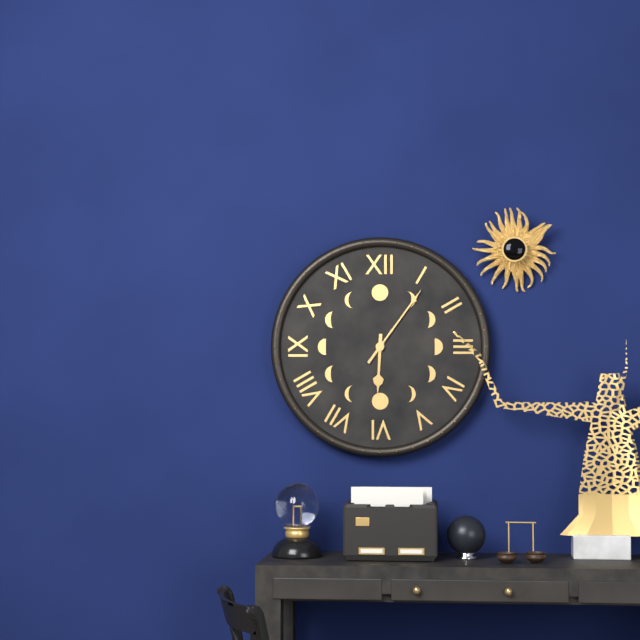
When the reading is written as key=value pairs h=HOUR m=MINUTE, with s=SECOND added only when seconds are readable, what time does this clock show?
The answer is h=6 m=6
